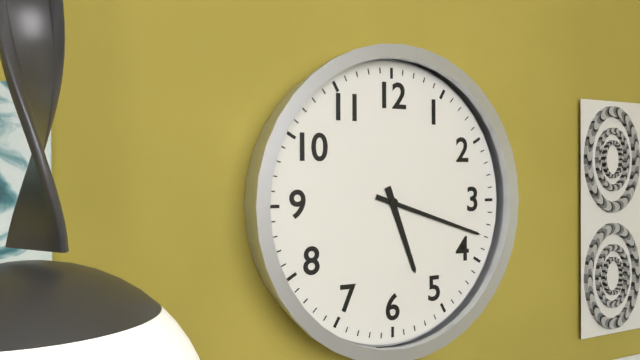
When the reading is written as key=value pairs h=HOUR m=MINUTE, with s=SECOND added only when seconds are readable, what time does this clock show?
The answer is h=5 m=18
